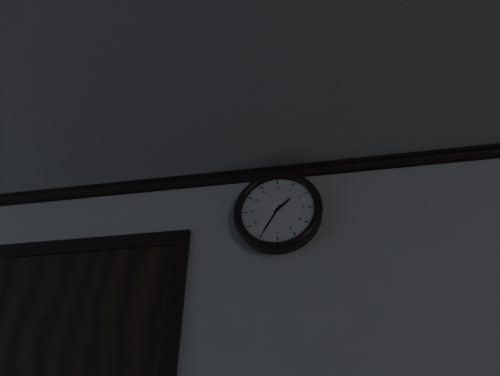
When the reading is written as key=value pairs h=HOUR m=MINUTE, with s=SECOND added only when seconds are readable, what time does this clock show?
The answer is h=1 m=35
